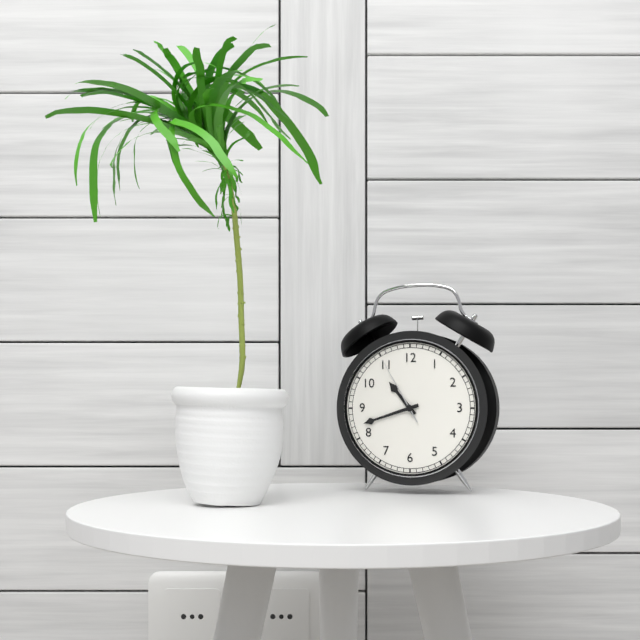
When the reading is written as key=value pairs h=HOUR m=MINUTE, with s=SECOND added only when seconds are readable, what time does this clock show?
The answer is h=10 m=42 s=55
